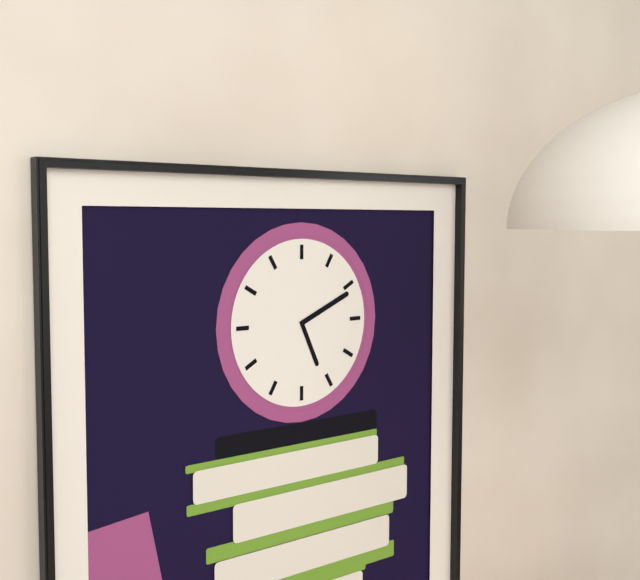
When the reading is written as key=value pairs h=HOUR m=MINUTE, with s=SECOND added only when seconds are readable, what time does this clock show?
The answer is h=5 m=11
